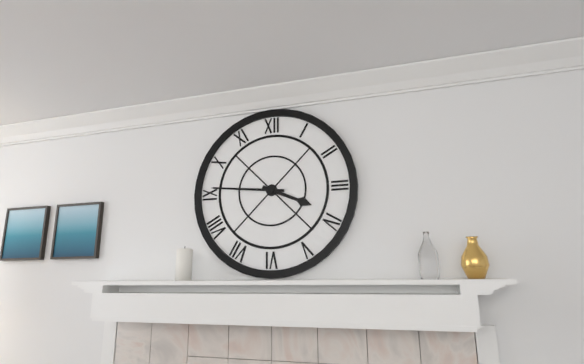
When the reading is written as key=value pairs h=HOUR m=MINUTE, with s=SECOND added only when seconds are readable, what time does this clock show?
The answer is h=3 m=46
